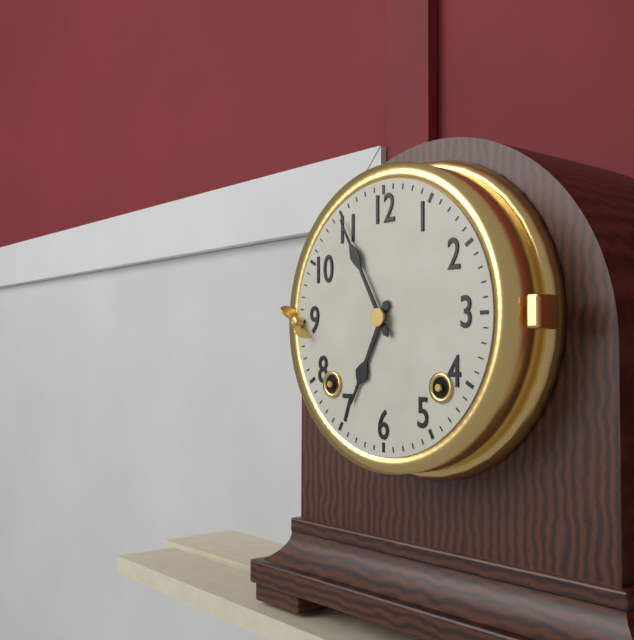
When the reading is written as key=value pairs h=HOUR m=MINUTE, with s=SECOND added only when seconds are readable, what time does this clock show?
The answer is h=6 m=55
